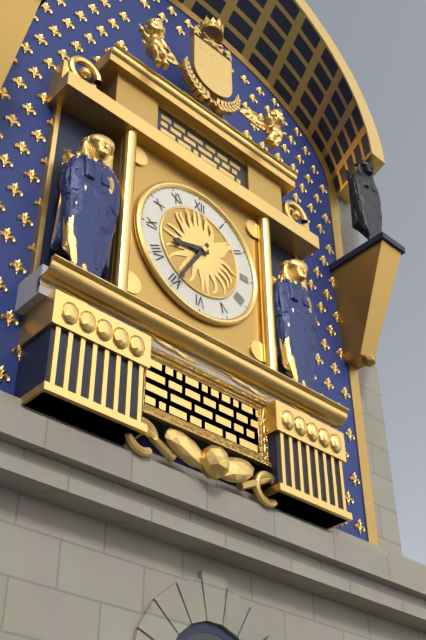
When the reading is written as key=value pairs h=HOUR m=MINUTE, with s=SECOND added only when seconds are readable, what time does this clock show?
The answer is h=8 m=35
